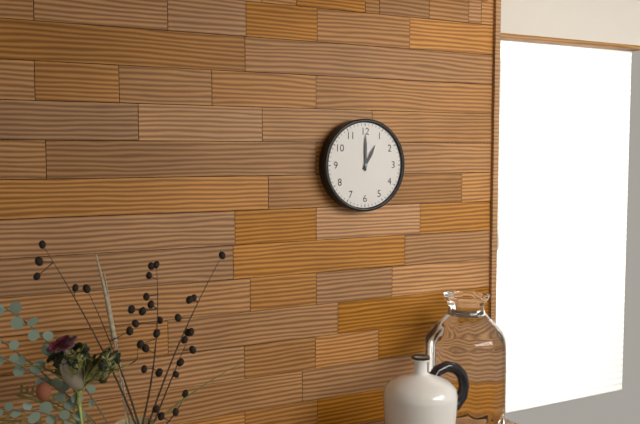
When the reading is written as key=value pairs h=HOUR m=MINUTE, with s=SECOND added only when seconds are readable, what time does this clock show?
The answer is h=1 m=0
